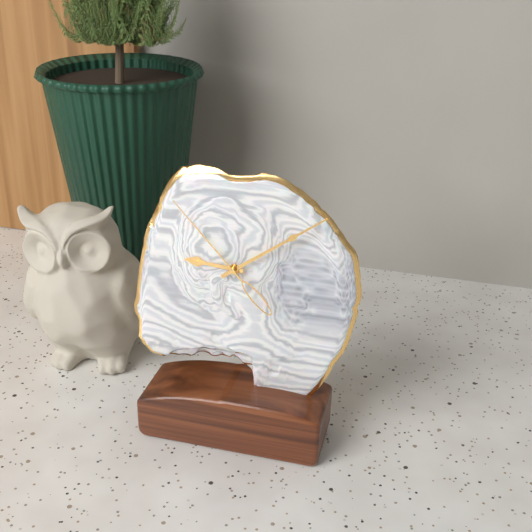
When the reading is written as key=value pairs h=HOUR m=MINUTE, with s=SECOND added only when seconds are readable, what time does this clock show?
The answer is h=9 m=9 s=53
